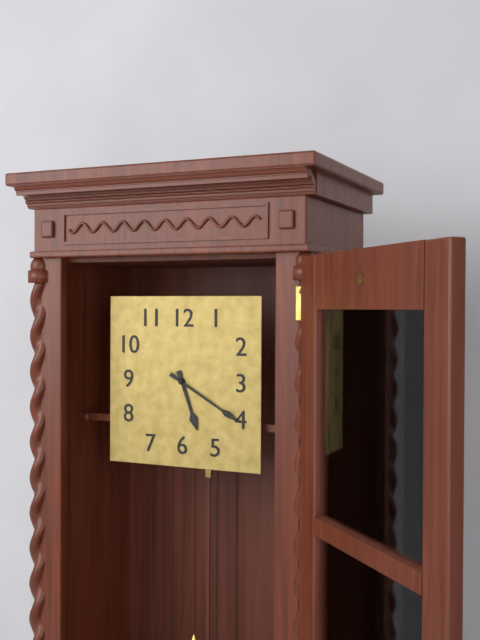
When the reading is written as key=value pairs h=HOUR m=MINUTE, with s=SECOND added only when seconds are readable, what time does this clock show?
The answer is h=5 m=20
